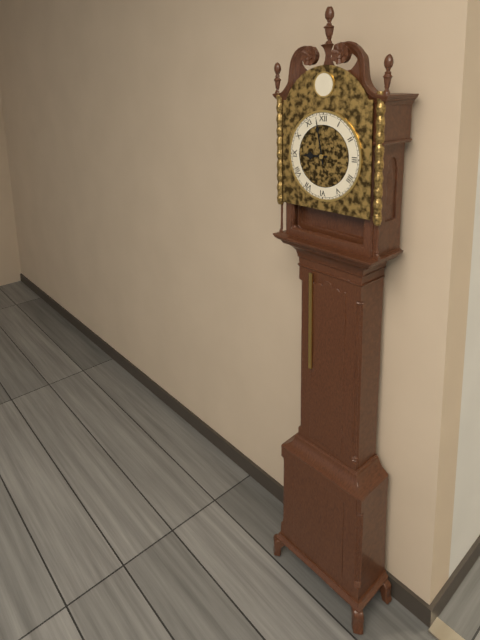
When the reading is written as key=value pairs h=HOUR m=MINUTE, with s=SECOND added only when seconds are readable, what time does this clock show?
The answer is h=8 m=58
